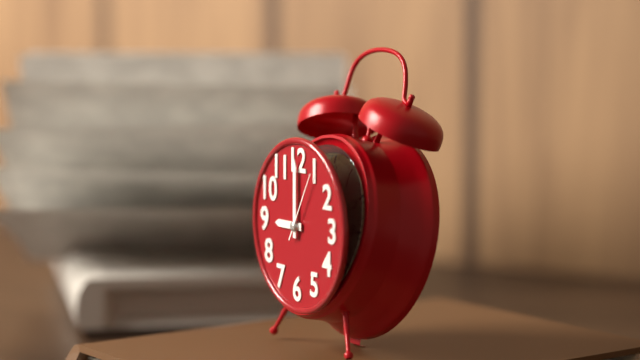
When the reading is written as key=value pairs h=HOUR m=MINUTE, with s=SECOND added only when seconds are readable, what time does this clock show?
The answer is h=9 m=0 s=5
